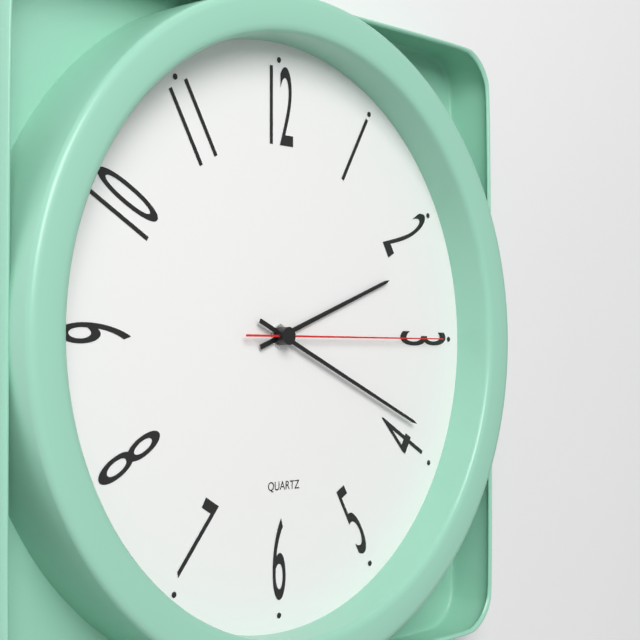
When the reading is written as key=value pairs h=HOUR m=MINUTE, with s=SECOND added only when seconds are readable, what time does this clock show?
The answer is h=2 m=19 s=15
